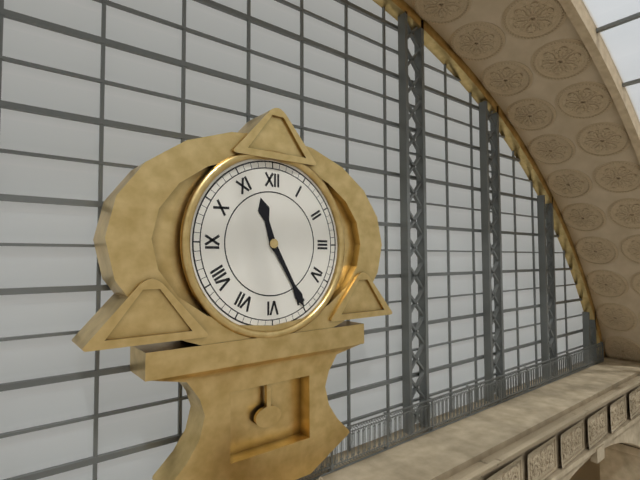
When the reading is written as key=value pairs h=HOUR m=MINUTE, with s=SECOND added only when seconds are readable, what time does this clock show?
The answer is h=11 m=25
